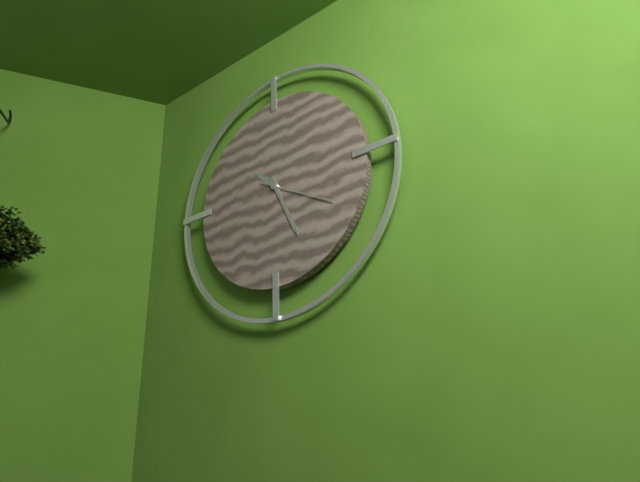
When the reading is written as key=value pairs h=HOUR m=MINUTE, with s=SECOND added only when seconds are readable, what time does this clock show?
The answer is h=10 m=26 s=20
